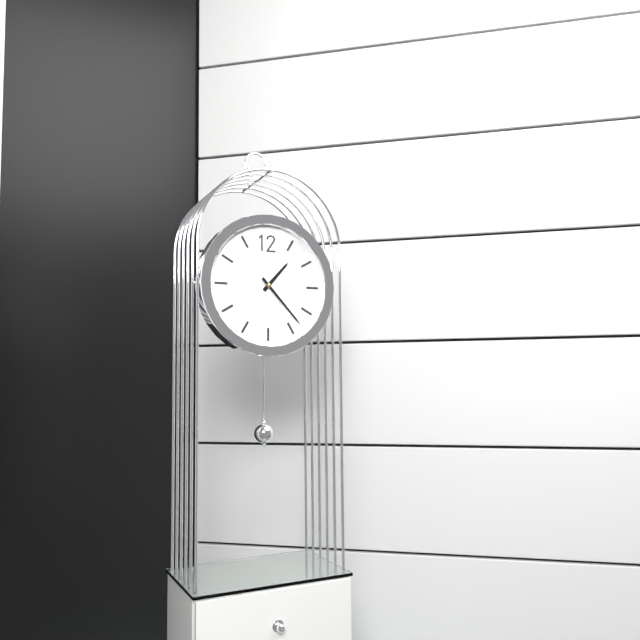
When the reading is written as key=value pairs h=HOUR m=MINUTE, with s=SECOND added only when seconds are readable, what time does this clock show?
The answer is h=1 m=23
